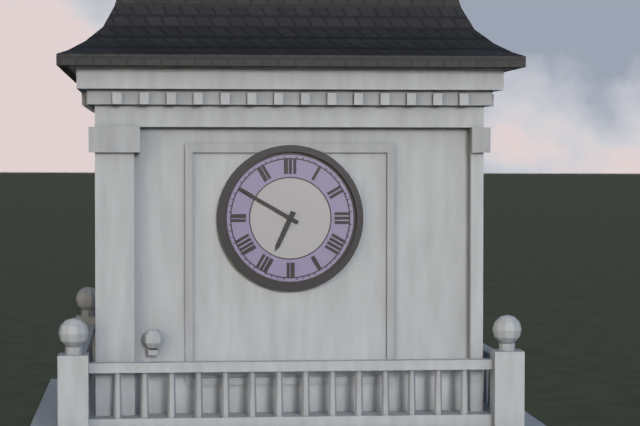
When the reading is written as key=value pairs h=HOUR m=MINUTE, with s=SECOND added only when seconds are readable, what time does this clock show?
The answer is h=6 m=50
